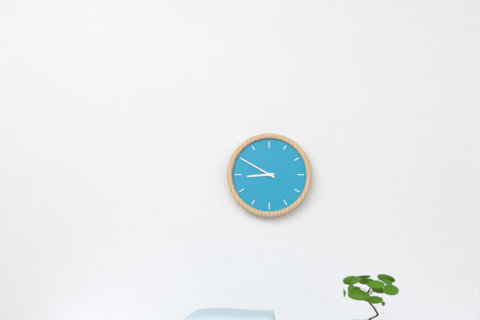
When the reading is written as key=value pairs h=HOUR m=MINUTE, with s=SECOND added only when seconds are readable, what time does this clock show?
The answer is h=8 m=50
